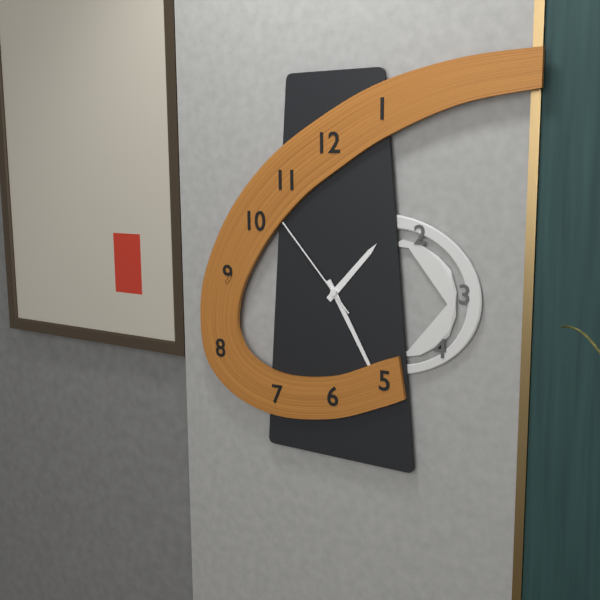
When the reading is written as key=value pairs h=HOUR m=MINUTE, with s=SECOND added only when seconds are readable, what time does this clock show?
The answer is h=1 m=25 s=53
